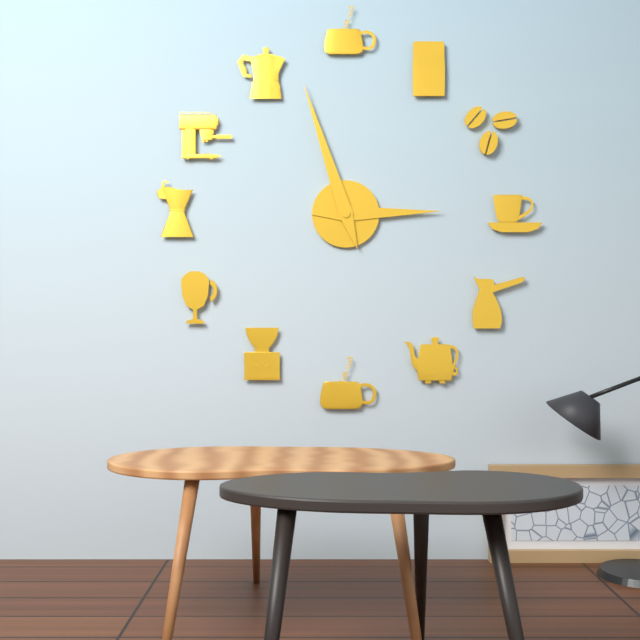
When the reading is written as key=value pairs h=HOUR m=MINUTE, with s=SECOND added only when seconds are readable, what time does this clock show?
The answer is h=2 m=57
